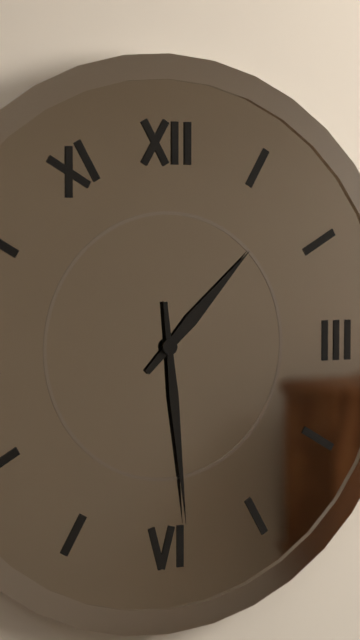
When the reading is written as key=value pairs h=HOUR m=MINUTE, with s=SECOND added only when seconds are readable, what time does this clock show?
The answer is h=1 m=29
